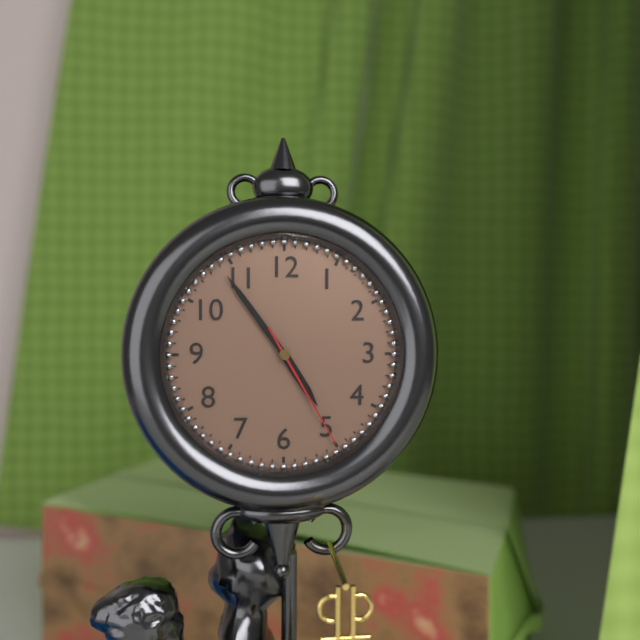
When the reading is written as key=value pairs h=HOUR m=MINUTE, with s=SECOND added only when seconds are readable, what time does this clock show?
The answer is h=4 m=54 s=25
